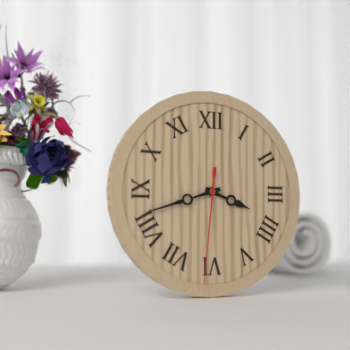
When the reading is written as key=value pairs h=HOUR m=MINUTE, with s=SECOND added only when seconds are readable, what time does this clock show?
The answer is h=3 m=42 s=31
